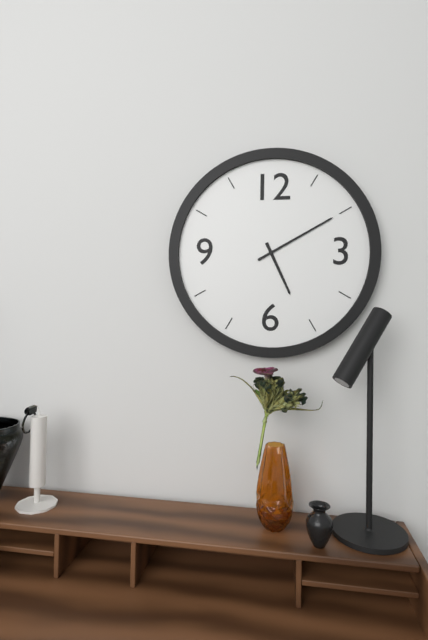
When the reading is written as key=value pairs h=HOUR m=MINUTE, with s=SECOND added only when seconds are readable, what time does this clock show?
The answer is h=5 m=10
